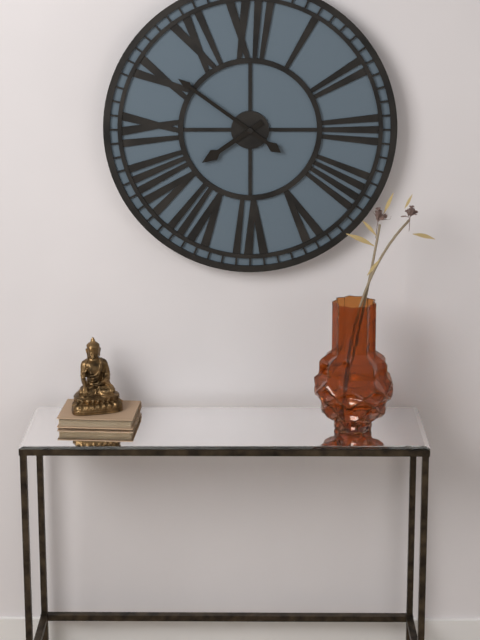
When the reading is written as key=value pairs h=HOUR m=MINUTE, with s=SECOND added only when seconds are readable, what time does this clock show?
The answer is h=7 m=51
